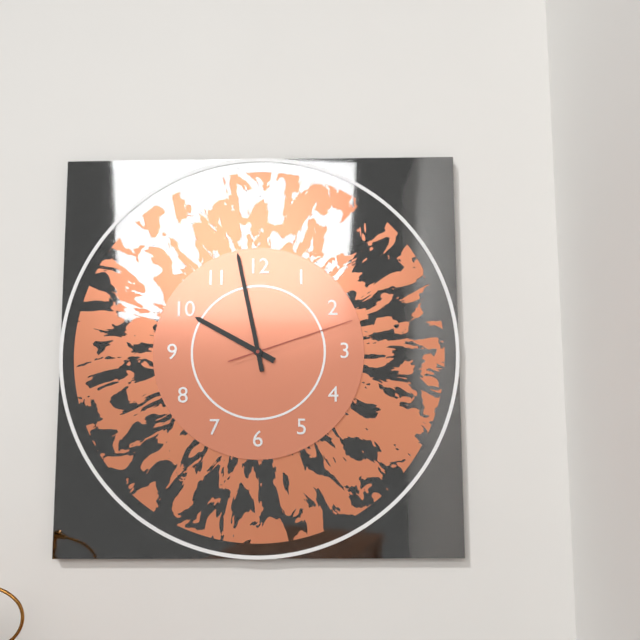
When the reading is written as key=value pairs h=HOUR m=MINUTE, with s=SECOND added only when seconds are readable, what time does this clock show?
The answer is h=9 m=58 s=12
